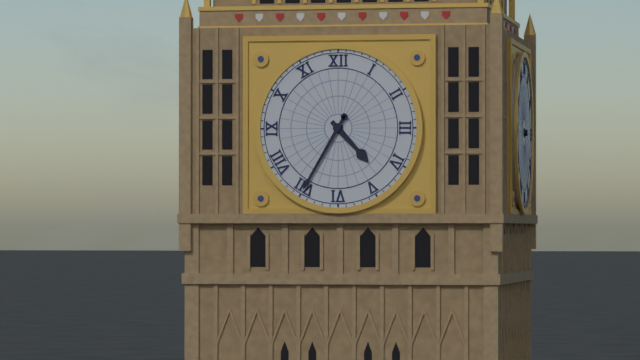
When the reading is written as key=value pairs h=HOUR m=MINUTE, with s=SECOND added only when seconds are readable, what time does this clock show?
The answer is h=4 m=35
